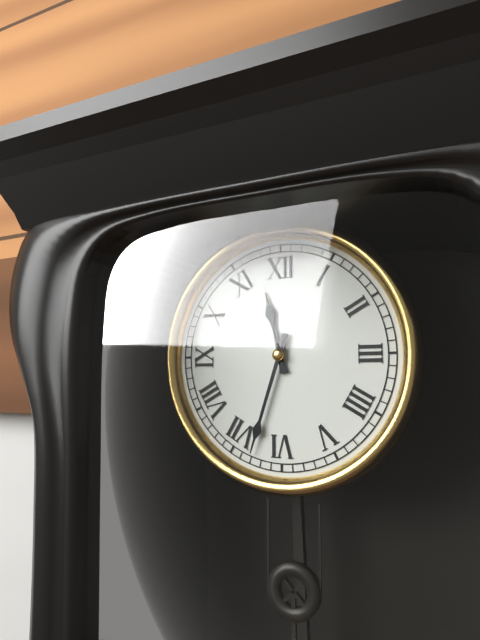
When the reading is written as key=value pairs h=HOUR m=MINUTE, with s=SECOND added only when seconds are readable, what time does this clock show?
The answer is h=11 m=33
